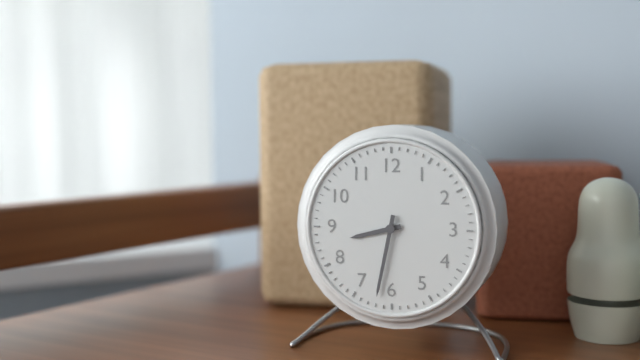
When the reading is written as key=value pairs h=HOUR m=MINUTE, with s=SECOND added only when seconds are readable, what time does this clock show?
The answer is h=8 m=32
